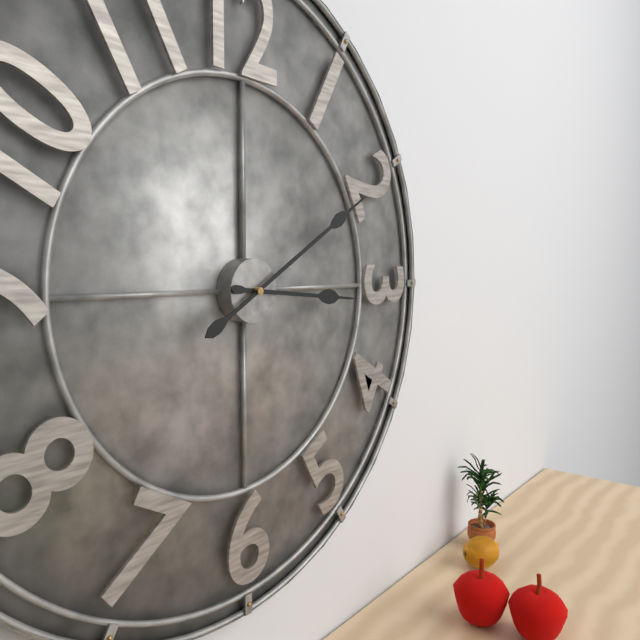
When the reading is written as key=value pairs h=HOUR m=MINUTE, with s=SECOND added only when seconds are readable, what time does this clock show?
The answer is h=3 m=10
